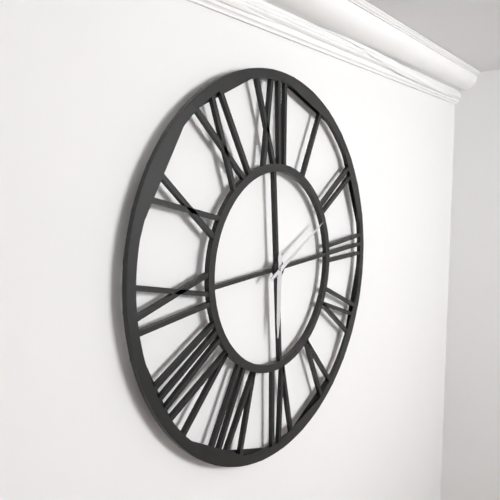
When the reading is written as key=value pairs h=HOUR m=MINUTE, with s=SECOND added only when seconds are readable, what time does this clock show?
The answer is h=6 m=11
